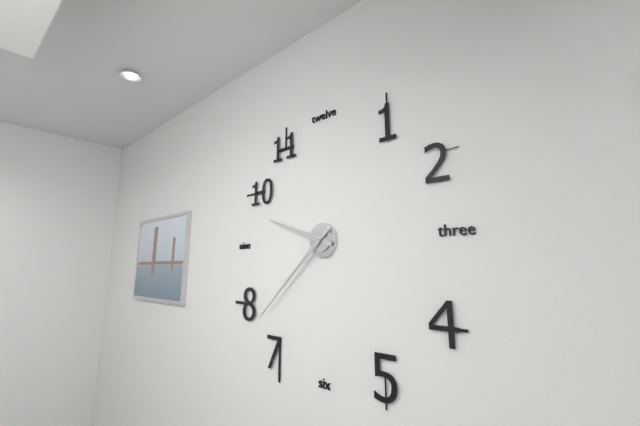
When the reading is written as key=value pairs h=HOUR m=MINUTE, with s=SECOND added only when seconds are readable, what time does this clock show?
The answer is h=9 m=38
